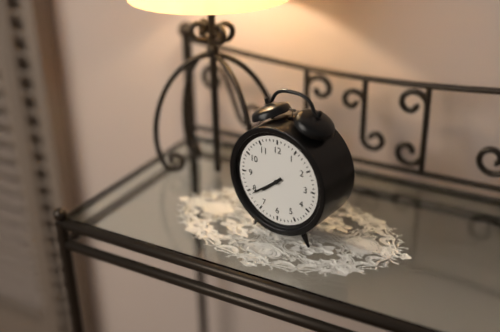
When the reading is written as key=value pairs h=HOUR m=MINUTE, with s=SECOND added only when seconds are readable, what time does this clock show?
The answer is h=7 m=39
